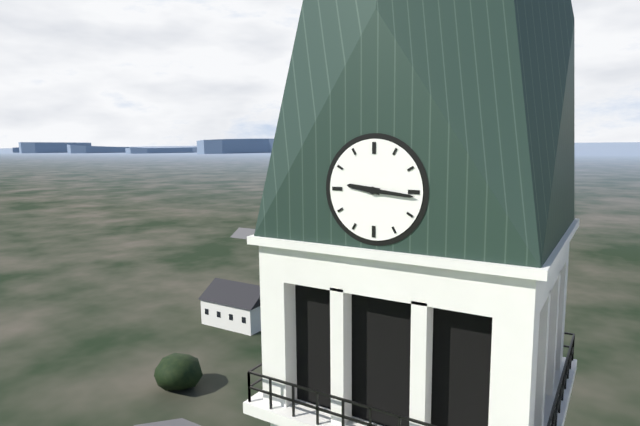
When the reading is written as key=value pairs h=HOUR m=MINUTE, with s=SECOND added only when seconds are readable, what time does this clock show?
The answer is h=9 m=16
